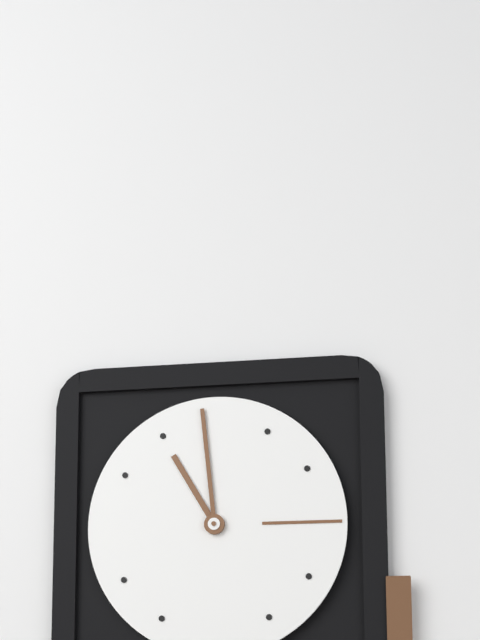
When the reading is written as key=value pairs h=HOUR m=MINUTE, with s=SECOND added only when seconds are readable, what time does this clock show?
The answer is h=10 m=59
